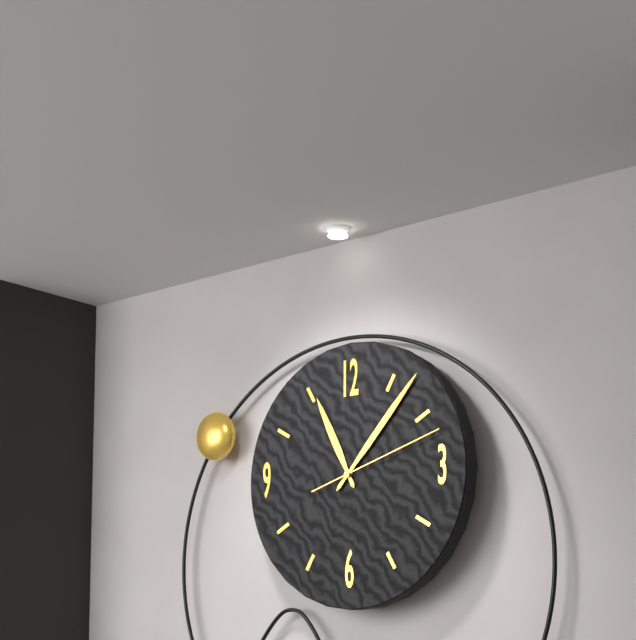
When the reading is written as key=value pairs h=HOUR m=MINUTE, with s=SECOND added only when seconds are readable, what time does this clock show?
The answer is h=11 m=7 s=12
